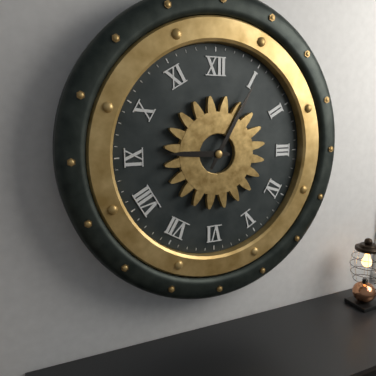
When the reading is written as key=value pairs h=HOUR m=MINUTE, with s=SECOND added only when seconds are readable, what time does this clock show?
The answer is h=9 m=5
